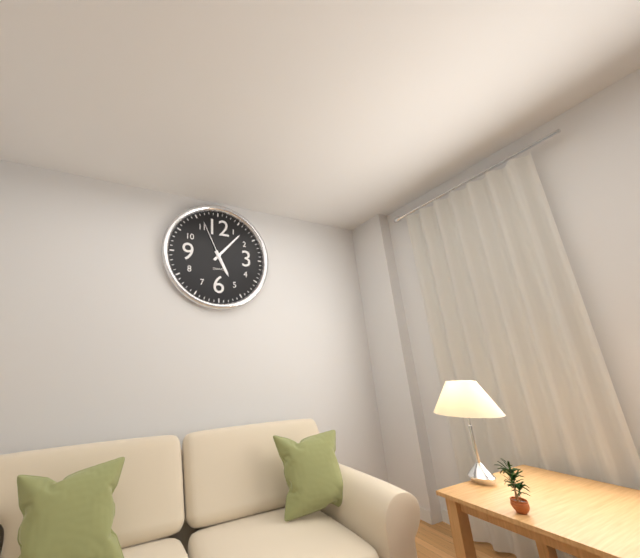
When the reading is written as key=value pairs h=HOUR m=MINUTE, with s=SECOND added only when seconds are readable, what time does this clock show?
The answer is h=5 m=7
